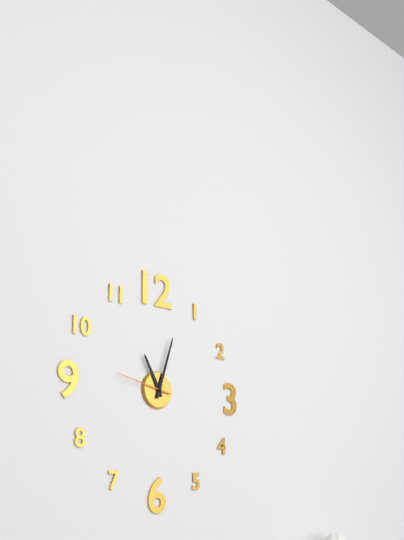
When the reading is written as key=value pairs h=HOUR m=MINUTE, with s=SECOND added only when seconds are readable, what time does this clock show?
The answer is h=11 m=3 s=47
